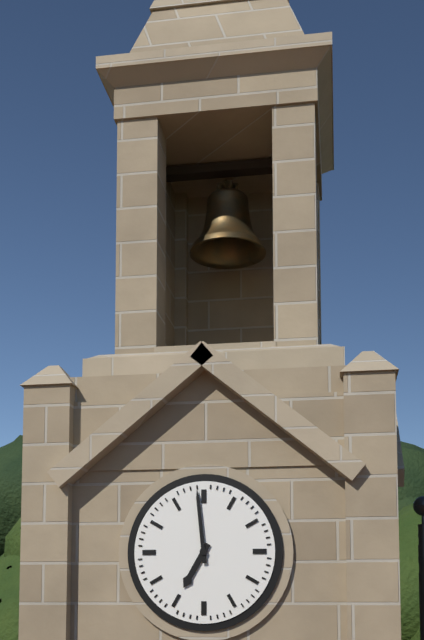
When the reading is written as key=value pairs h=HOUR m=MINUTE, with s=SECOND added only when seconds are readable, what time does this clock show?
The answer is h=6 m=59
